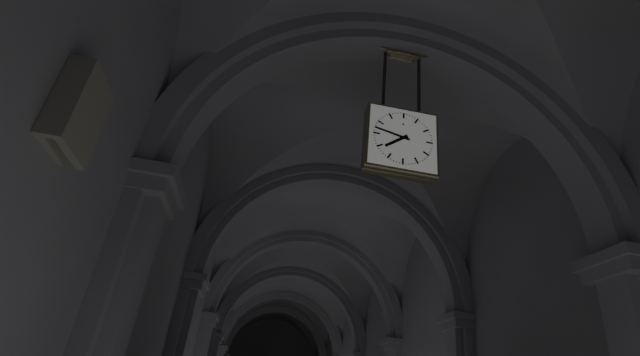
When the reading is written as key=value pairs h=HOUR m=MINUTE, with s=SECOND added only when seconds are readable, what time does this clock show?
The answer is h=7 m=47
